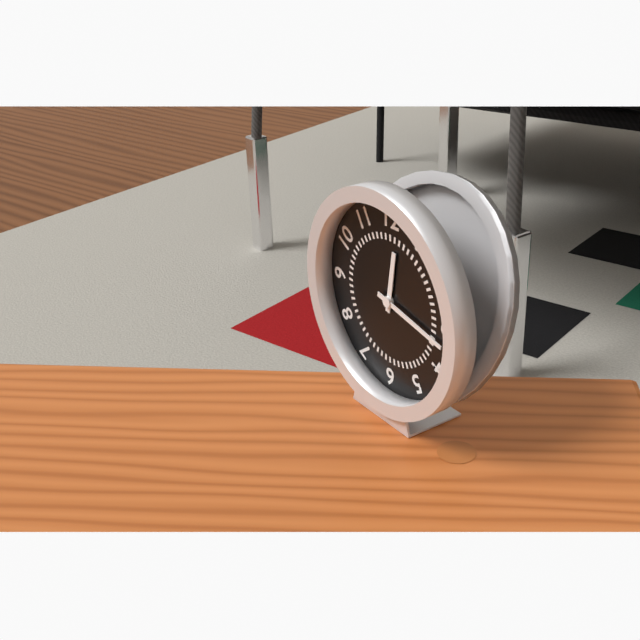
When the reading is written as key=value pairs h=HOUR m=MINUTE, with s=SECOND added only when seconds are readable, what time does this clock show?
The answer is h=12 m=17
